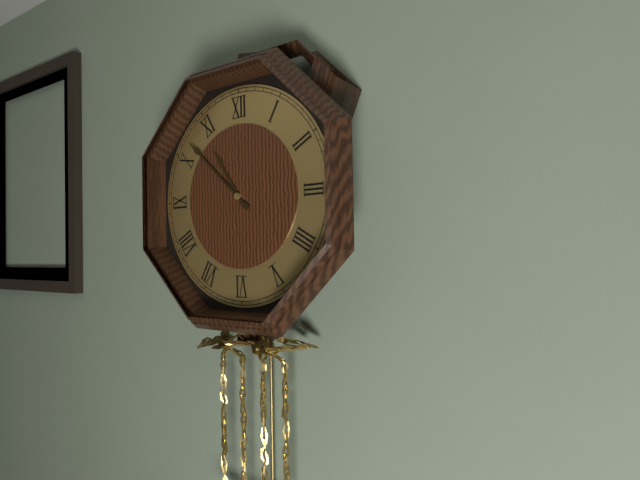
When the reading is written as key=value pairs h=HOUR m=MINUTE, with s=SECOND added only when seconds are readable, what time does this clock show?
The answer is h=10 m=52
